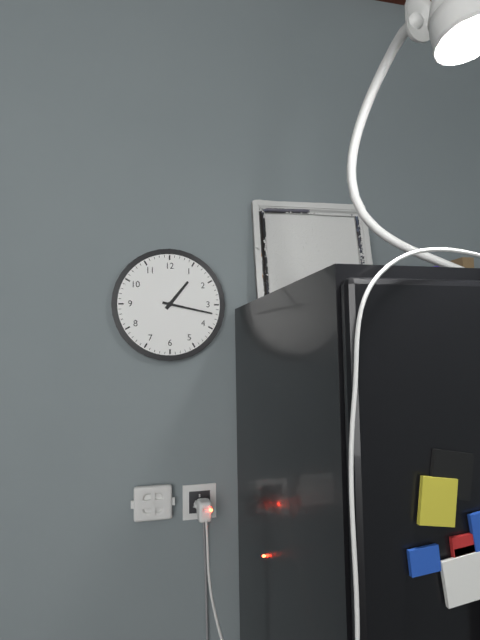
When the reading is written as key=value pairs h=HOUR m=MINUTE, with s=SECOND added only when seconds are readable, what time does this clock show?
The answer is h=1 m=17
